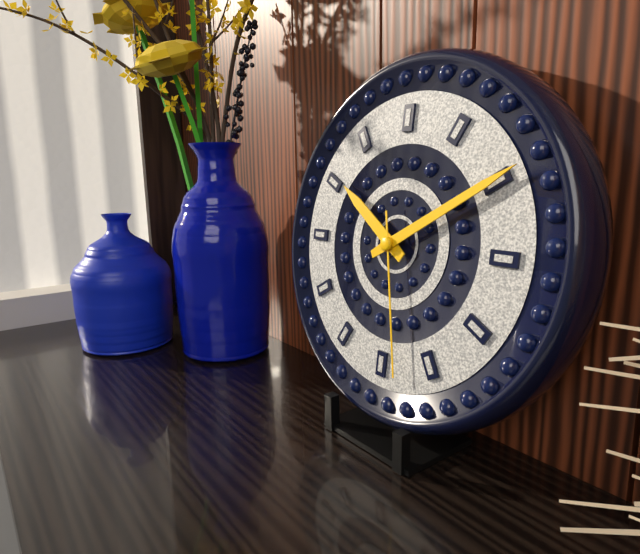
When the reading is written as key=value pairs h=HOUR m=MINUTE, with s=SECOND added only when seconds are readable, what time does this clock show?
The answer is h=10 m=10 s=28
